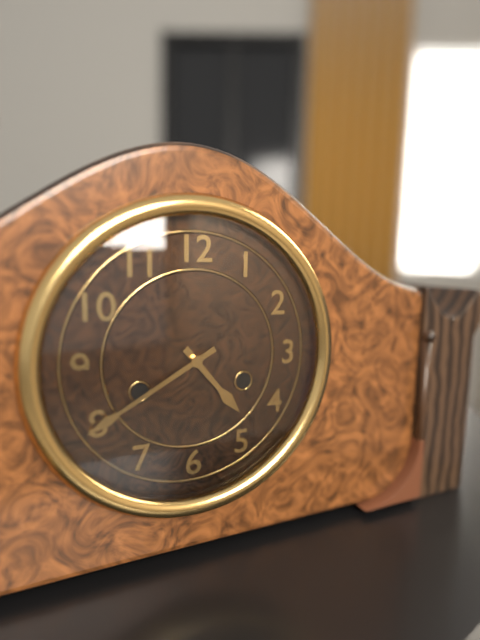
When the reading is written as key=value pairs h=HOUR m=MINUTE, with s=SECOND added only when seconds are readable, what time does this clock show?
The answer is h=4 m=40
